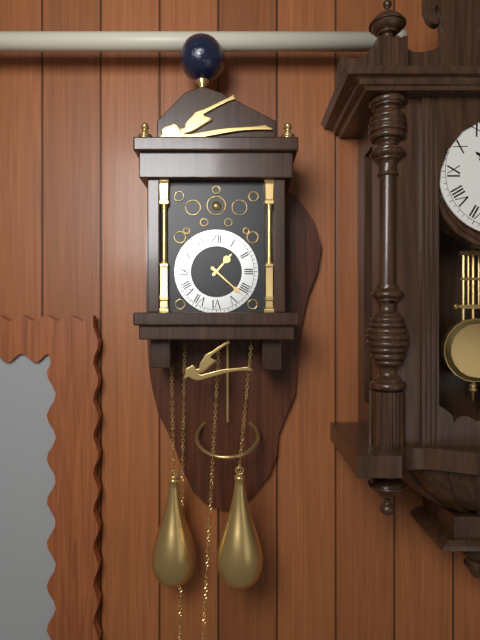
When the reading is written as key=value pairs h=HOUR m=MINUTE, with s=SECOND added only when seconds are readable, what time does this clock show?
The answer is h=1 m=22
